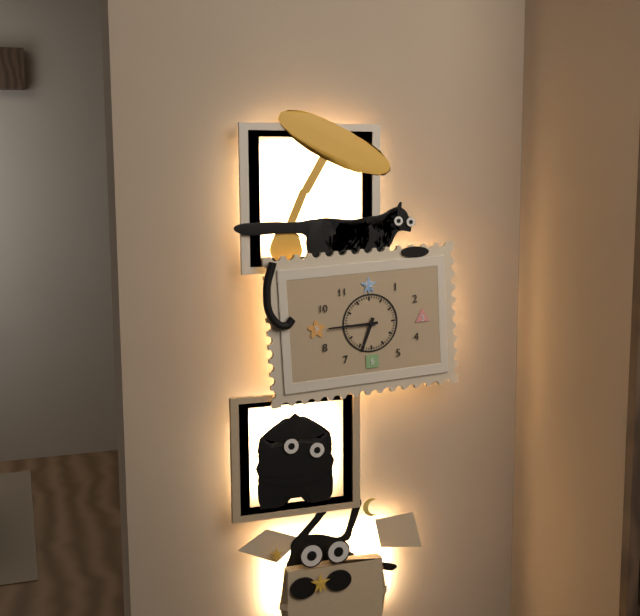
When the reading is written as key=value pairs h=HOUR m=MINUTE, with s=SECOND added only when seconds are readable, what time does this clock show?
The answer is h=6 m=45
